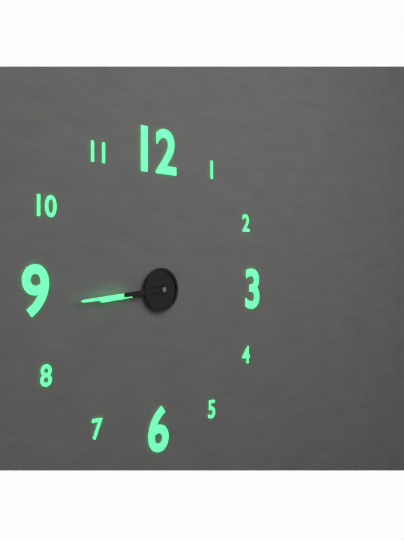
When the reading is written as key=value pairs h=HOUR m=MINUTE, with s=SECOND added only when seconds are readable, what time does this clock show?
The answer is h=8 m=44
